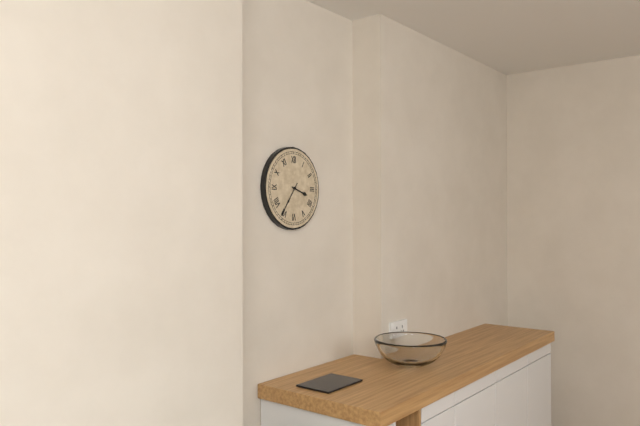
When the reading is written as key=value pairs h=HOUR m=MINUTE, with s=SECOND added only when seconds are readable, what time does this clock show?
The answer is h=3 m=36
